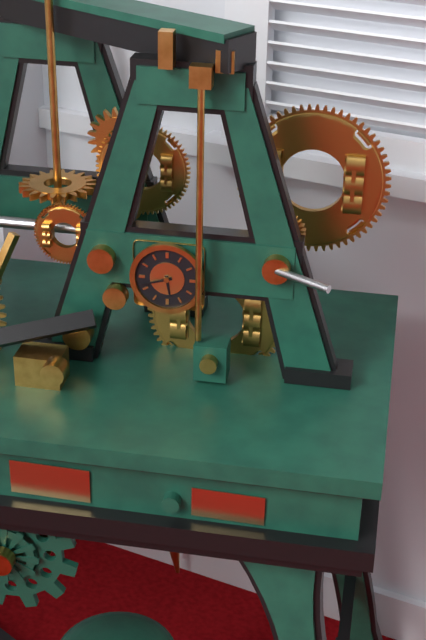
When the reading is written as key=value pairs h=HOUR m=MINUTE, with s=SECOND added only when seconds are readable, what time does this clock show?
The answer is h=5 m=42
